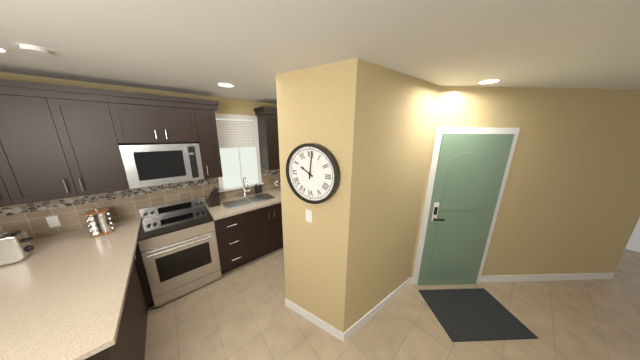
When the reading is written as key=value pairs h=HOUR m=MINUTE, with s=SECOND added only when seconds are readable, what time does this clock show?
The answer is h=10 m=1
